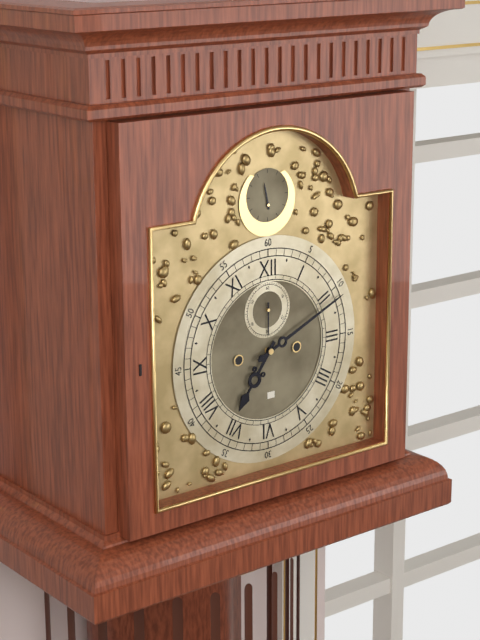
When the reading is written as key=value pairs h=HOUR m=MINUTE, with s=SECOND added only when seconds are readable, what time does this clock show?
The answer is h=7 m=11
